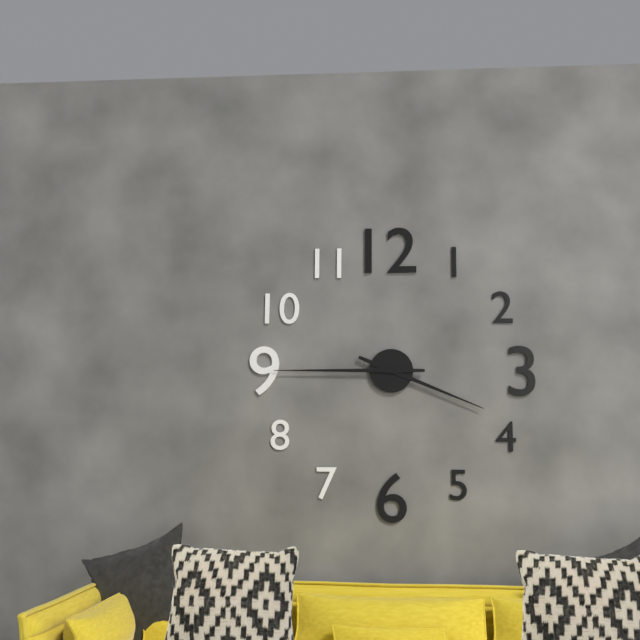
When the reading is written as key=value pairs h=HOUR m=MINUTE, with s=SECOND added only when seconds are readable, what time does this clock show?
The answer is h=3 m=45
